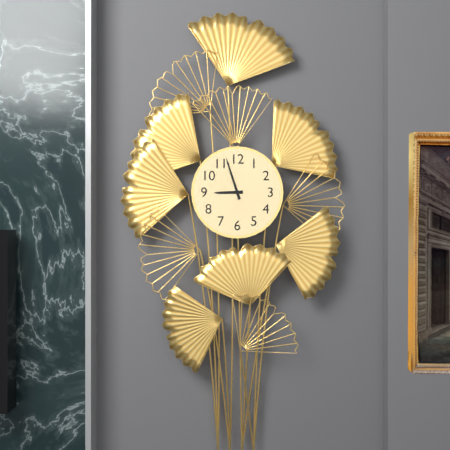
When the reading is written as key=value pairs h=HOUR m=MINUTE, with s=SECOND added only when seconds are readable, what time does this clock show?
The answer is h=8 m=57
